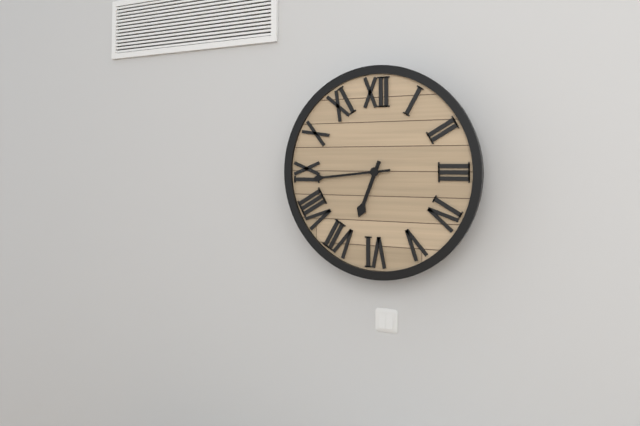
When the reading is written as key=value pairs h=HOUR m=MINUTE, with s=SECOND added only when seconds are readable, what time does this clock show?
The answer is h=6 m=44
